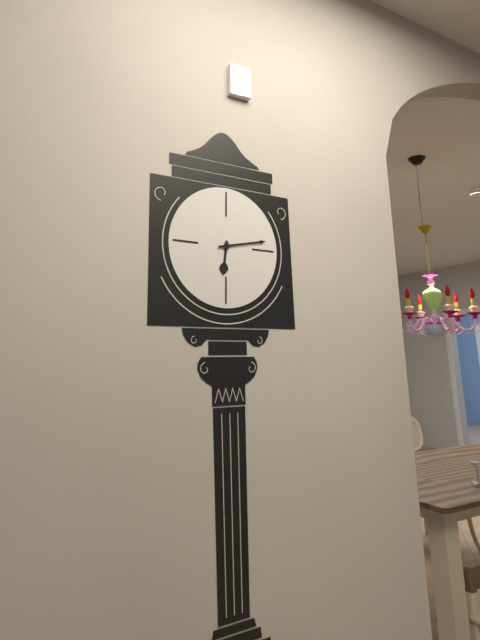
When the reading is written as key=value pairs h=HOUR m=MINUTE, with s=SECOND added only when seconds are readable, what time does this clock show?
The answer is h=6 m=13
